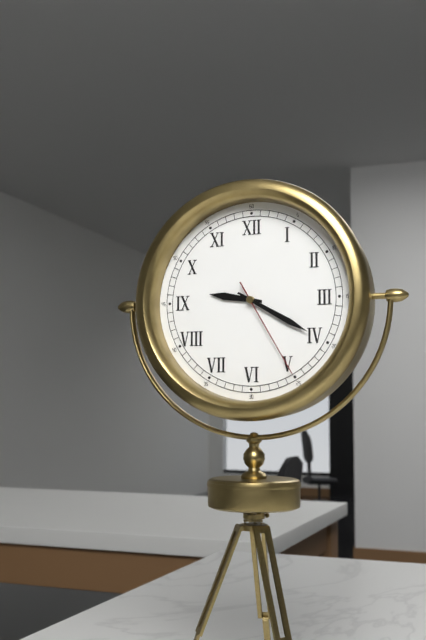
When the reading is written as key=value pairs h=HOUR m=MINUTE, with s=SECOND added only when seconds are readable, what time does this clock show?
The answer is h=9 m=20 s=25
